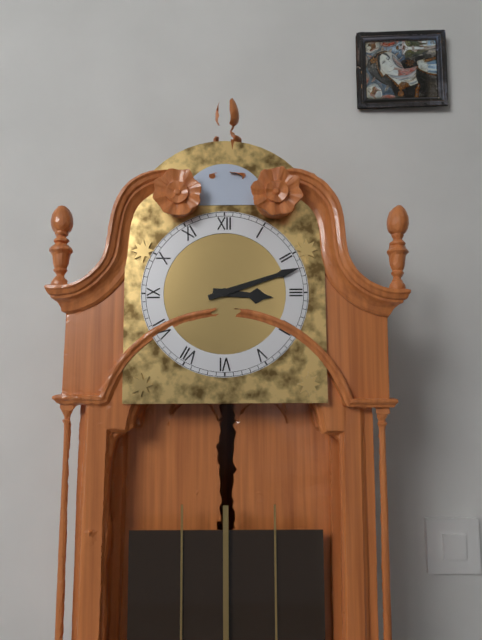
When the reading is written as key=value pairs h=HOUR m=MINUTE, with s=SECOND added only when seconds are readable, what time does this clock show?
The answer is h=3 m=12
